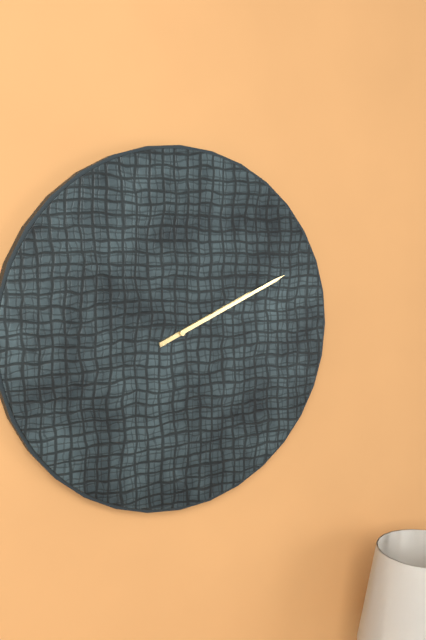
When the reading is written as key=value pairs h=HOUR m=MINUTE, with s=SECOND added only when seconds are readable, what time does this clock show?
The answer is h=2 m=11
